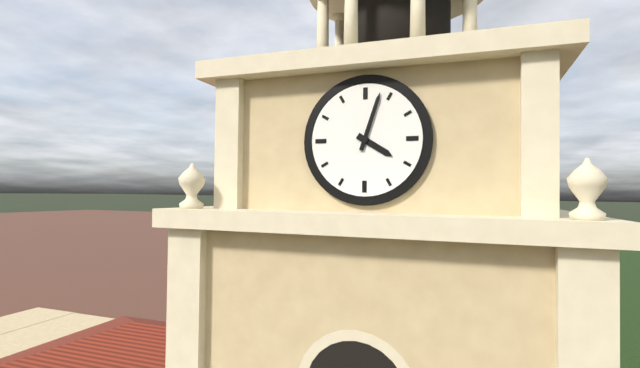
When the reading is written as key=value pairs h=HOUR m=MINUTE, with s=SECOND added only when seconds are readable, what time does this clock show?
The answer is h=4 m=3
